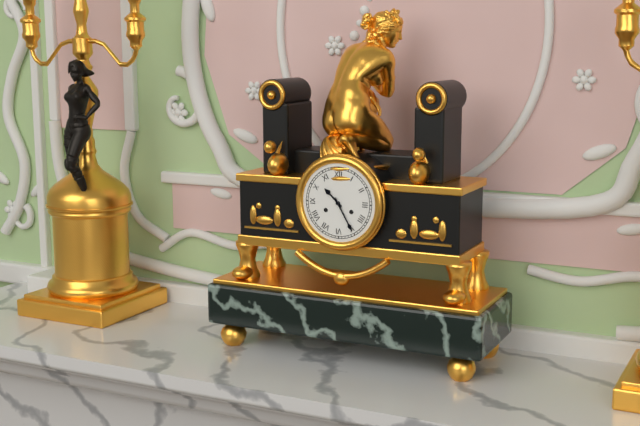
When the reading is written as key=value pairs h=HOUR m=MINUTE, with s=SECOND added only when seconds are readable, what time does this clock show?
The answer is h=10 m=25
